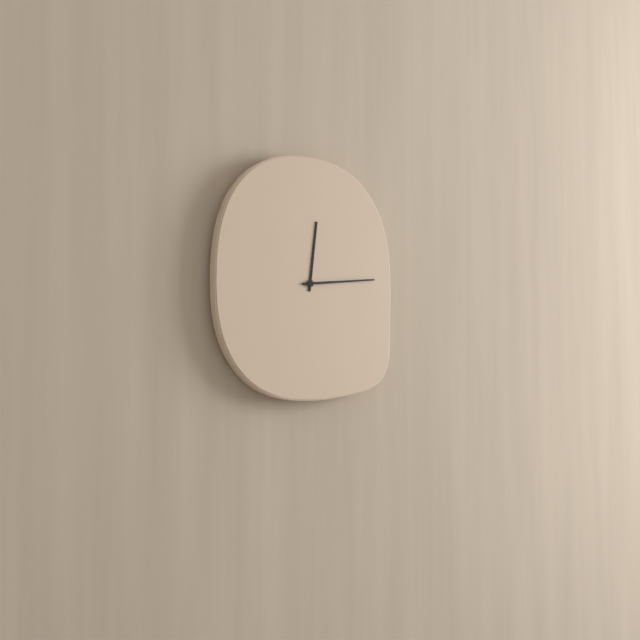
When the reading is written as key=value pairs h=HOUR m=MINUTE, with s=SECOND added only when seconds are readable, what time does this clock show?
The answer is h=12 m=14
